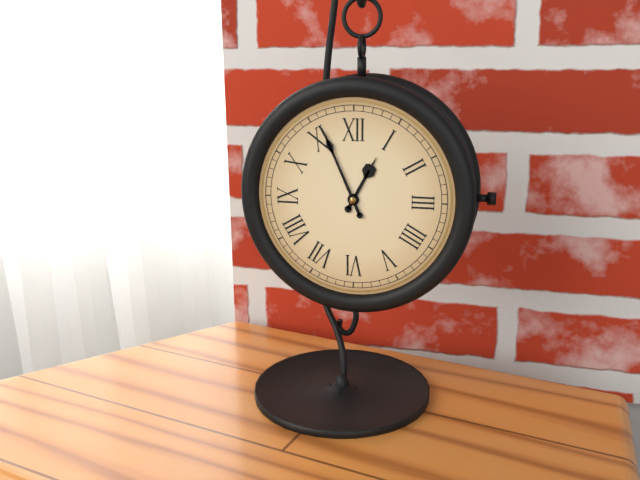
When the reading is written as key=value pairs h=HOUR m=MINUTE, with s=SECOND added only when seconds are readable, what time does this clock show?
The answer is h=12 m=56
